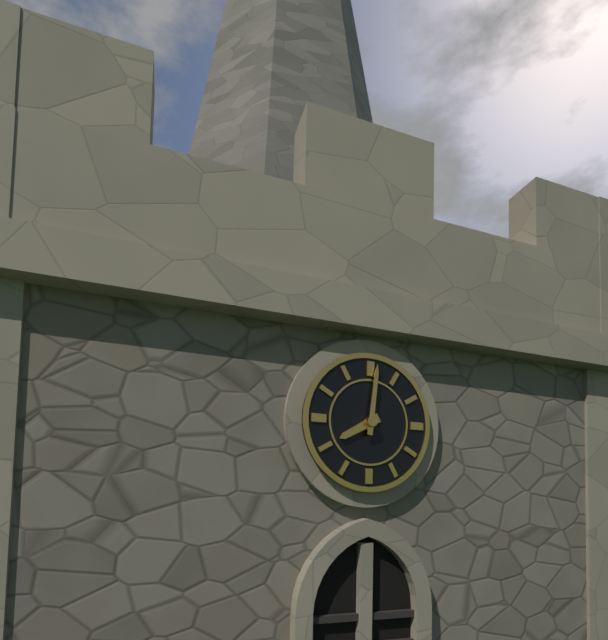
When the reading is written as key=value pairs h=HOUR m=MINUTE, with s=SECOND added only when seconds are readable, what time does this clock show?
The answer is h=8 m=1
